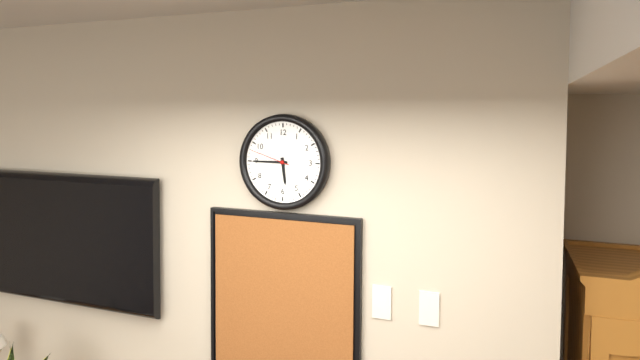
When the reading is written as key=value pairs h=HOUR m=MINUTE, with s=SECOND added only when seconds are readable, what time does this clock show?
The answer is h=5 m=45
